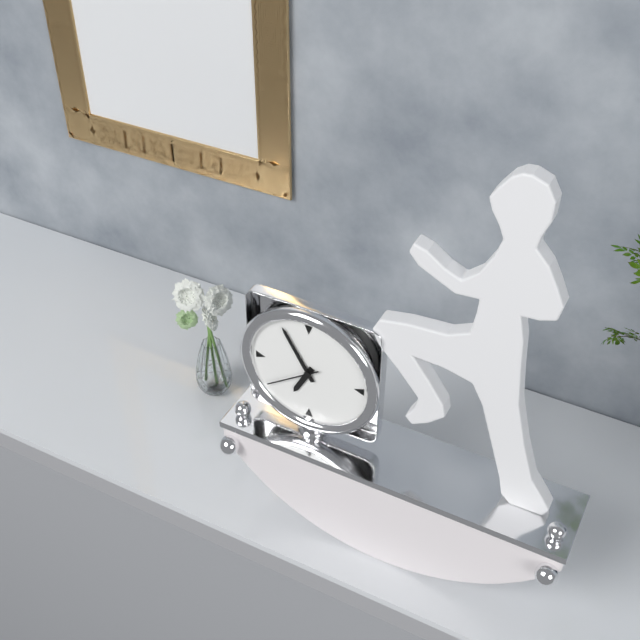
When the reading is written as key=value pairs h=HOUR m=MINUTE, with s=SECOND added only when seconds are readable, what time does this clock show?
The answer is h=6 m=55 s=39
